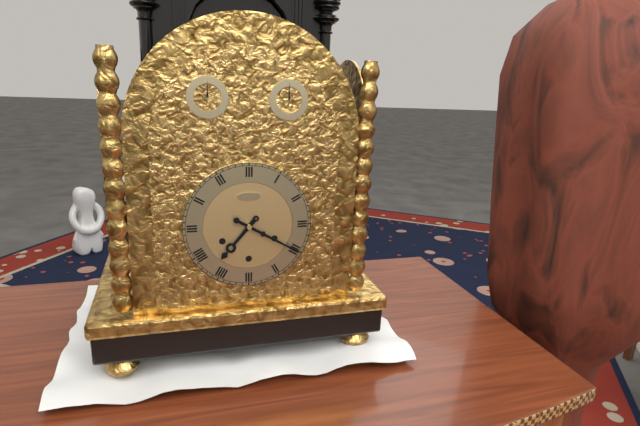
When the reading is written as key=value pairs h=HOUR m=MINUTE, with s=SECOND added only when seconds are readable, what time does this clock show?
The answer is h=7 m=20
